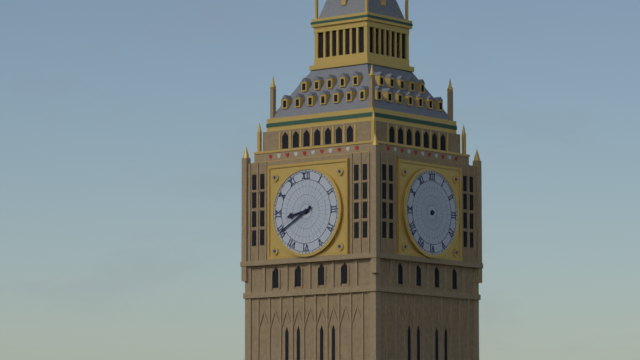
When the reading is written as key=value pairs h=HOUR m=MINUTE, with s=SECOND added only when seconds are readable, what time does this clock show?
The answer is h=8 m=40
